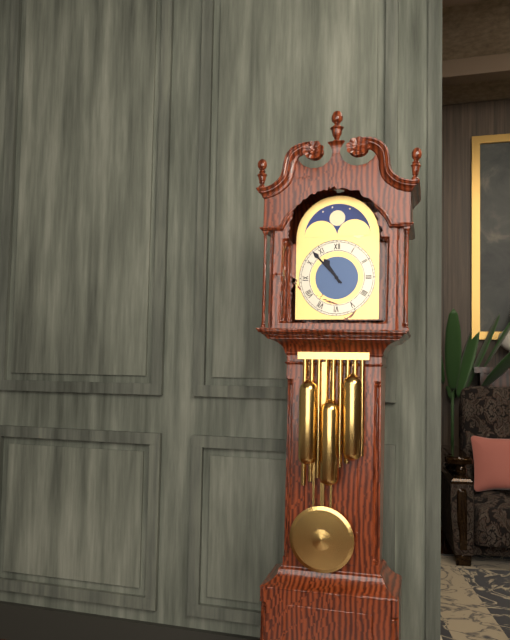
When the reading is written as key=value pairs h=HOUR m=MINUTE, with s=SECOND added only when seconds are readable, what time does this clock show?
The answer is h=10 m=53
